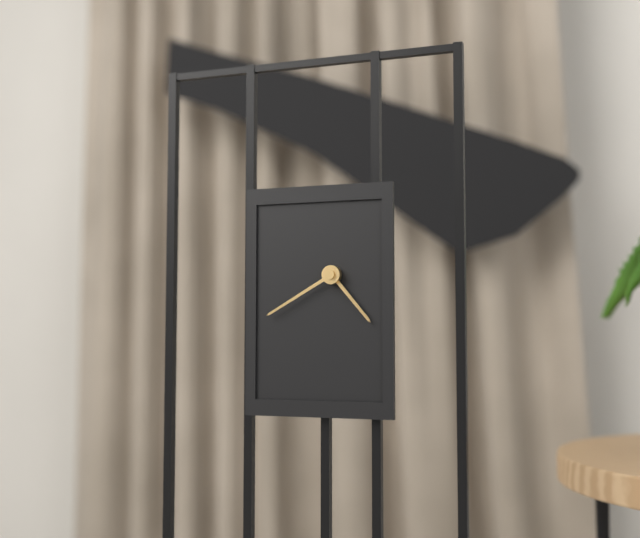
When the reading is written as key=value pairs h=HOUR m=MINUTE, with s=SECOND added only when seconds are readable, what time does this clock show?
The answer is h=4 m=40
